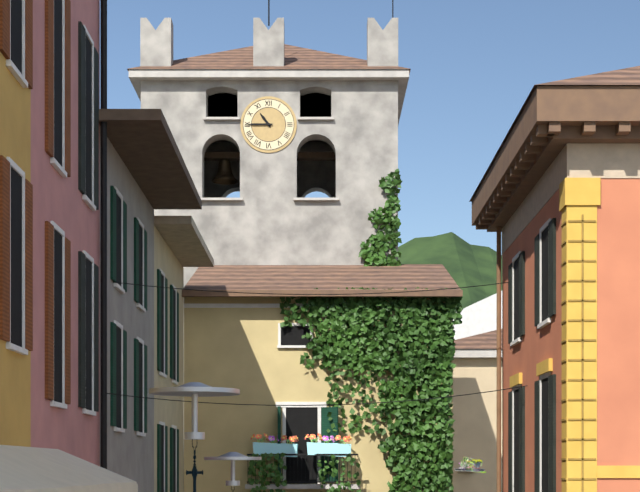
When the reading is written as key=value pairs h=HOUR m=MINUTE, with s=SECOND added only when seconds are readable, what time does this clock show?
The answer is h=10 m=45
